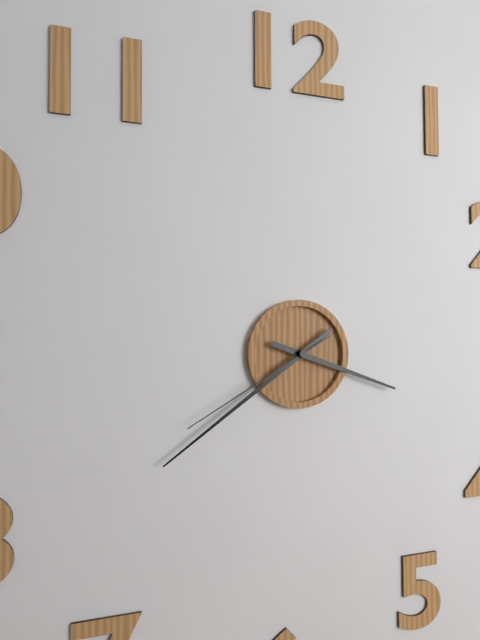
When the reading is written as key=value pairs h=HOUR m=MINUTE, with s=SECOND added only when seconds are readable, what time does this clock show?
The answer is h=3 m=39 s=40
